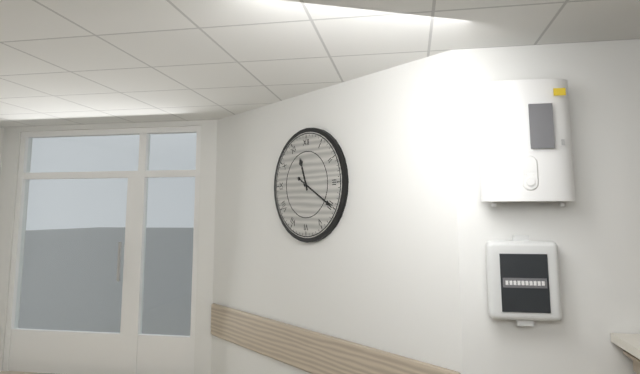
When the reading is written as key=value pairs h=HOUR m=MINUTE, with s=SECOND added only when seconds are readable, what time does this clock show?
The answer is h=11 m=20
